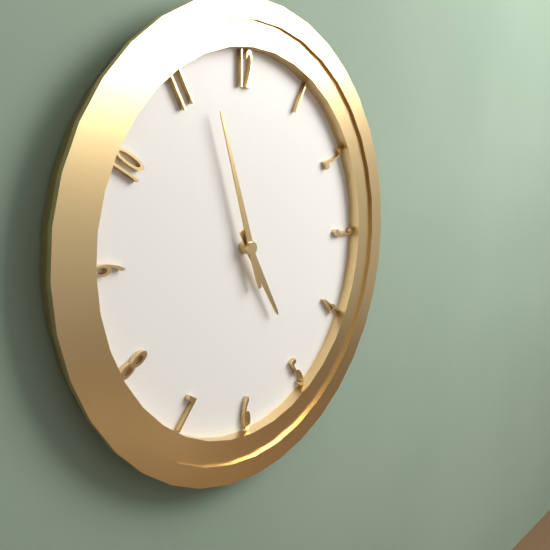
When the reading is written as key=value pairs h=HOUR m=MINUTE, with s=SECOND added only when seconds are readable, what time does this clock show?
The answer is h=4 m=57
